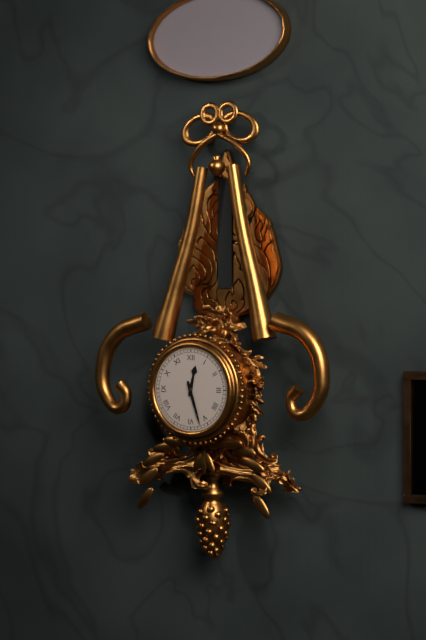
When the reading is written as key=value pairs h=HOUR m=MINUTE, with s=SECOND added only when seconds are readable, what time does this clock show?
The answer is h=12 m=27
